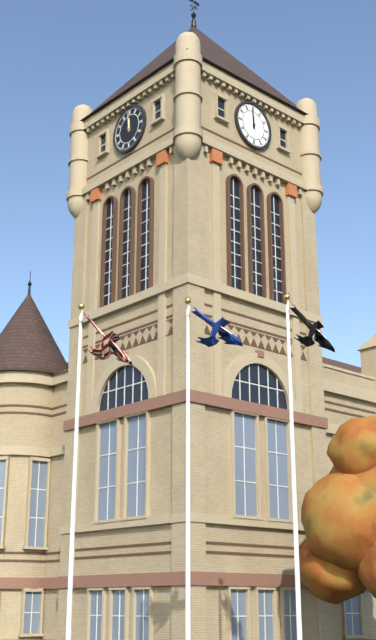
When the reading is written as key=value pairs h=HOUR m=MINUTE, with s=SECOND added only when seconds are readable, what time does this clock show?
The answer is h=11 m=59
